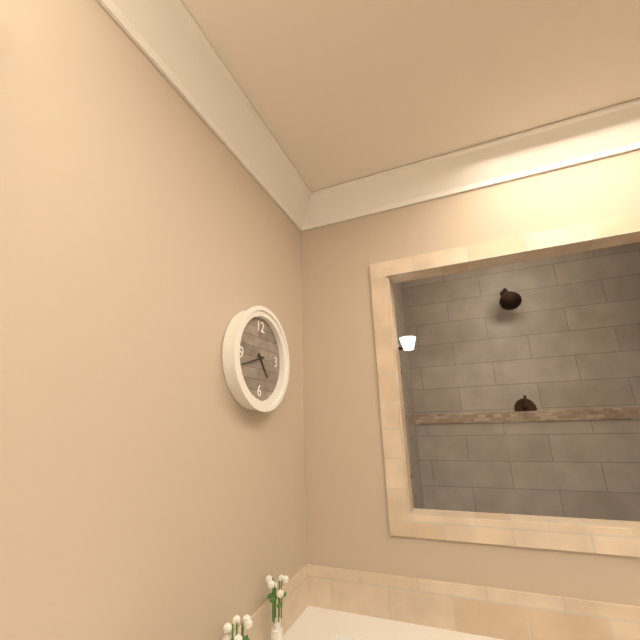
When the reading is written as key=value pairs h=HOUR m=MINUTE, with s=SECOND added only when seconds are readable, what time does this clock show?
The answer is h=4 m=42
